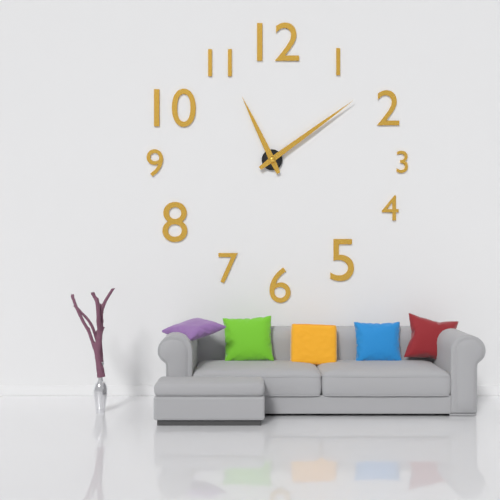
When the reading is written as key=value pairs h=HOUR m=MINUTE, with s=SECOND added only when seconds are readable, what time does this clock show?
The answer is h=11 m=9
